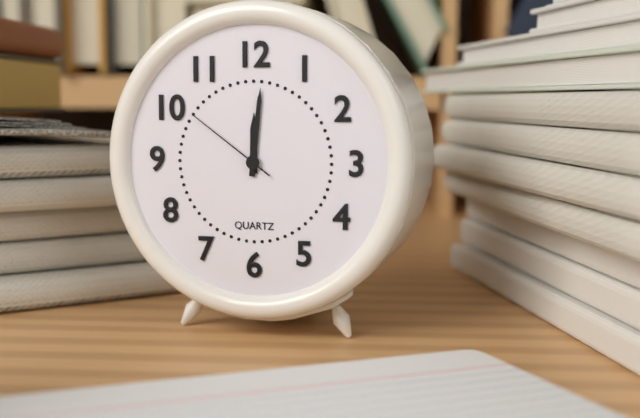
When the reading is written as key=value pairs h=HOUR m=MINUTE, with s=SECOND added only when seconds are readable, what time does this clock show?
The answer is h=12 m=1 s=51
